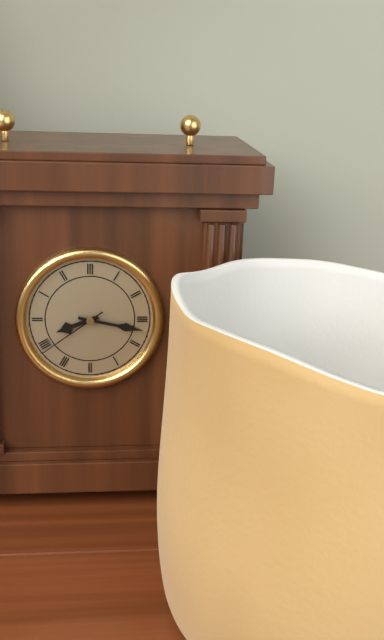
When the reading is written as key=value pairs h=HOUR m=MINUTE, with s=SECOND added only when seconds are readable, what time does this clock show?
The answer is h=8 m=17 s=39
